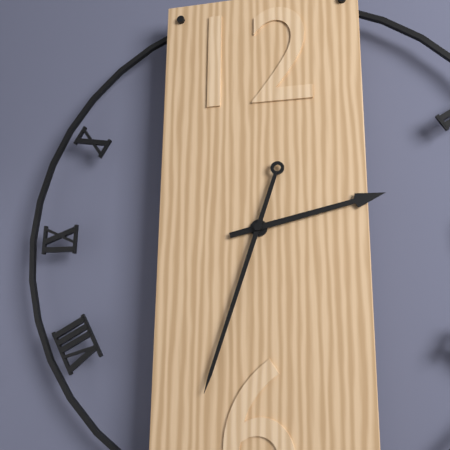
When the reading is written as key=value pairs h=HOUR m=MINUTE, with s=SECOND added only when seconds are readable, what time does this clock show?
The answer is h=2 m=33
